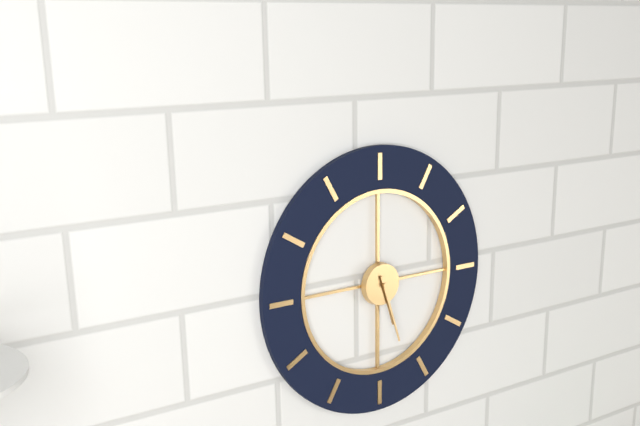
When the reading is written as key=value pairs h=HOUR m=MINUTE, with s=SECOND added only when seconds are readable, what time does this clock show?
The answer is h=5 m=27
